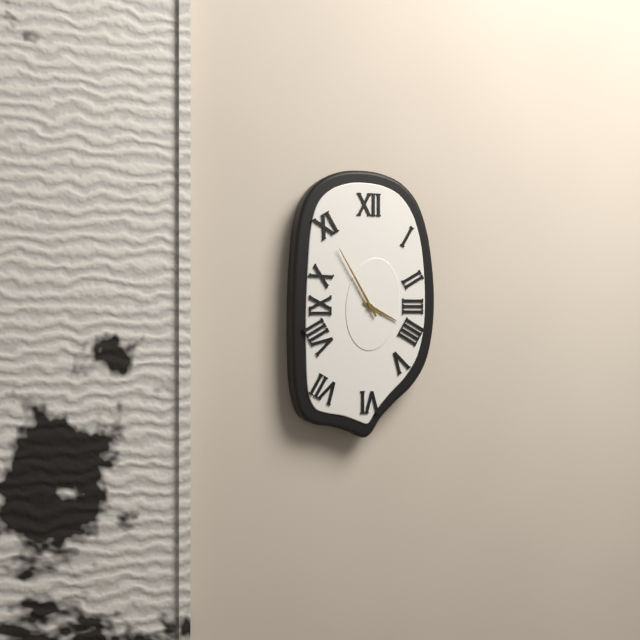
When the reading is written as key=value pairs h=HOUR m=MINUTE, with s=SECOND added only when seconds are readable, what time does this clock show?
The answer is h=3 m=55
